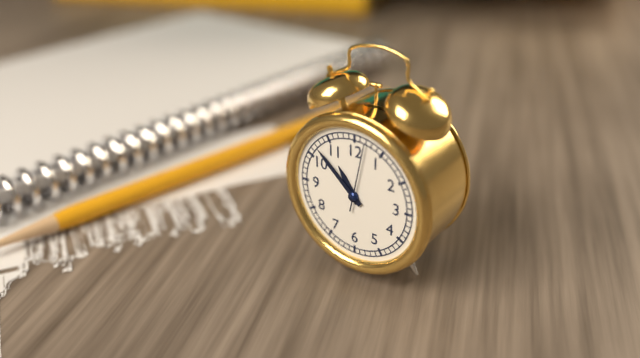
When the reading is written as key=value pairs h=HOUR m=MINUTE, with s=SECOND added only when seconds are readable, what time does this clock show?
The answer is h=10 m=52 s=2
